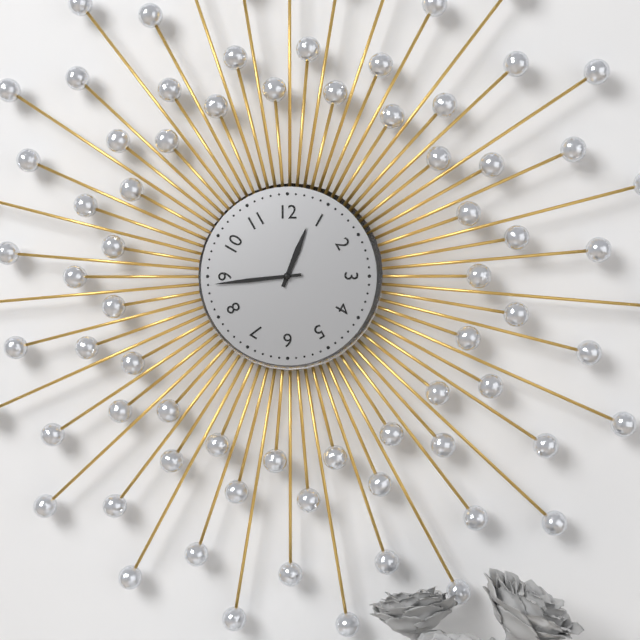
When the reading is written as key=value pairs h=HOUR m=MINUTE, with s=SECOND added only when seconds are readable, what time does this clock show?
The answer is h=12 m=44
